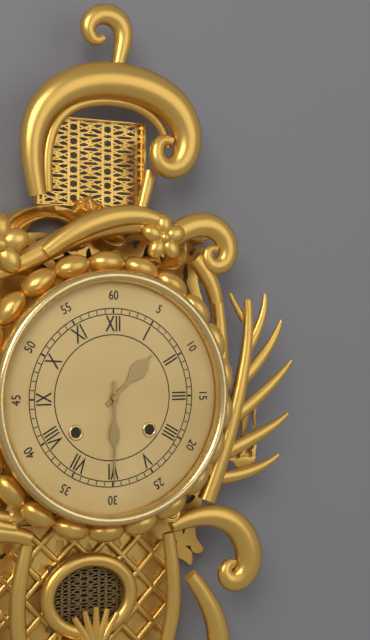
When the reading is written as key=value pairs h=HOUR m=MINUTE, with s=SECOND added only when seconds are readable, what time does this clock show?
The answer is h=1 m=30
